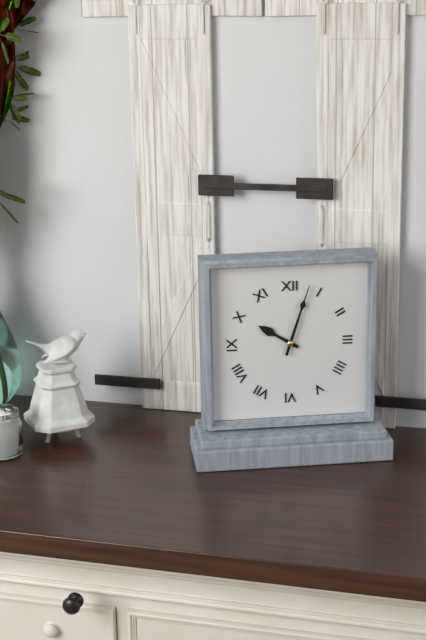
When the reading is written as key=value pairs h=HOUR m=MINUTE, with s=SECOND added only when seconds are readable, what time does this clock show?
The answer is h=10 m=3
